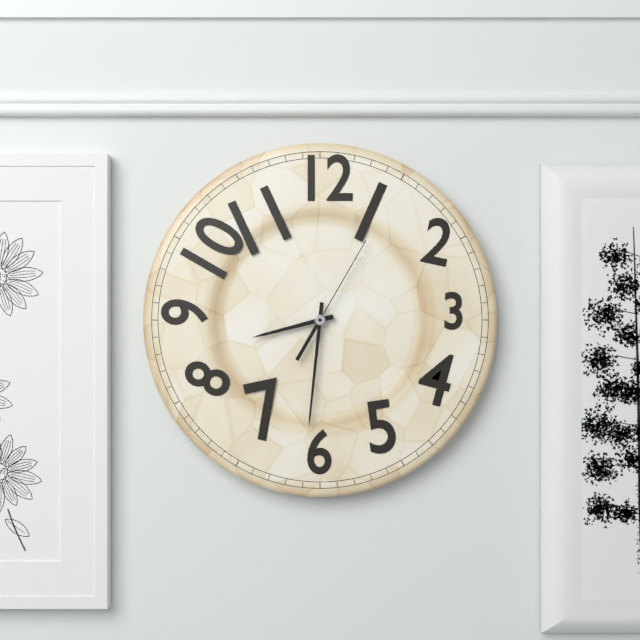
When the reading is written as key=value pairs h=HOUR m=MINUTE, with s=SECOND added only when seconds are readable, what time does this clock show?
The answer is h=8 m=31 s=5
